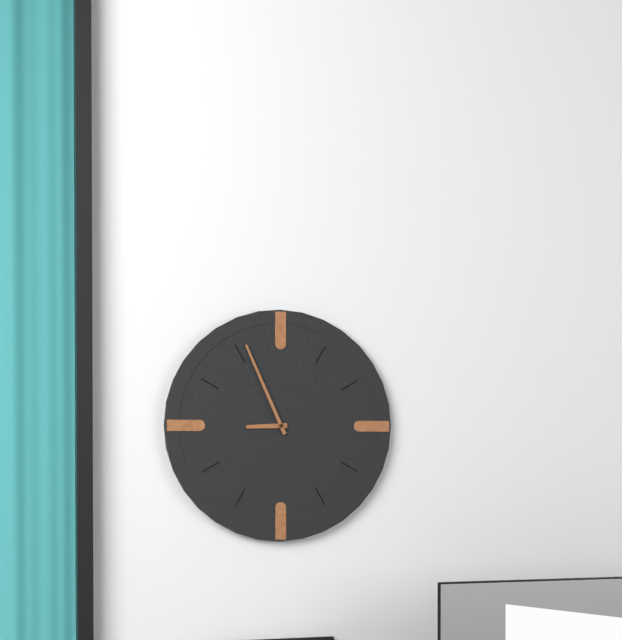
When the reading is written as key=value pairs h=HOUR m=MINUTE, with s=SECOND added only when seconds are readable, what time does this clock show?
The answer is h=8 m=56
